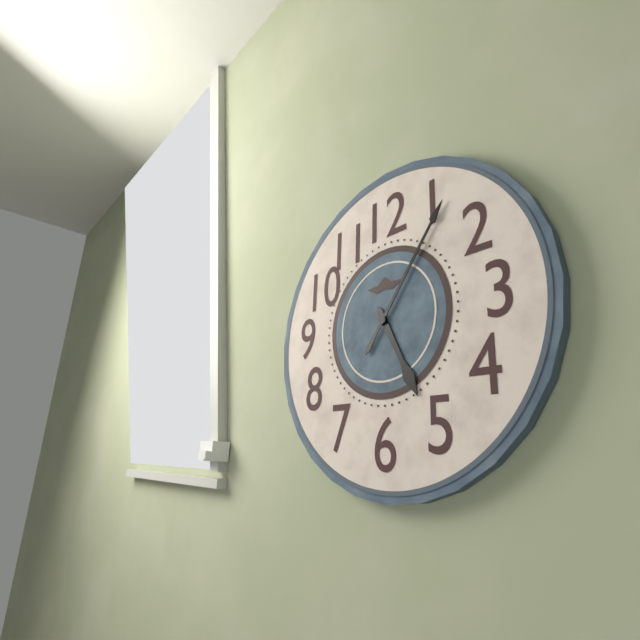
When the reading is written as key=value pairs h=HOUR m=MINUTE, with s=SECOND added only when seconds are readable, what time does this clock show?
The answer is h=5 m=6
